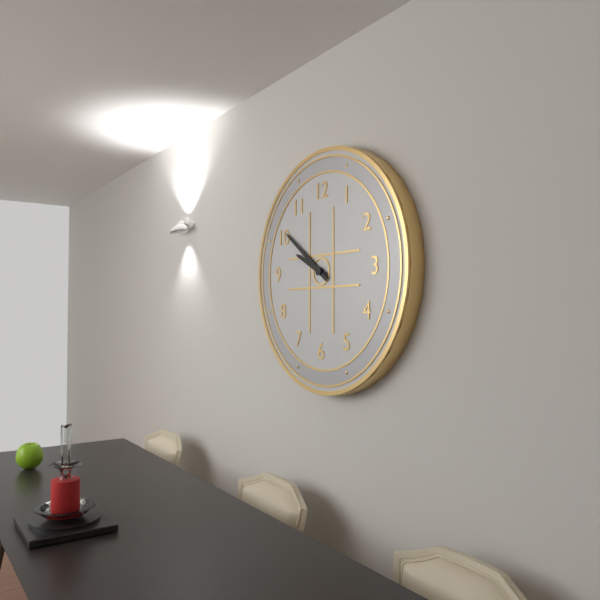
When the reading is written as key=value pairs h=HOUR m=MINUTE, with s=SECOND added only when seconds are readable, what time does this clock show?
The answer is h=9 m=51
